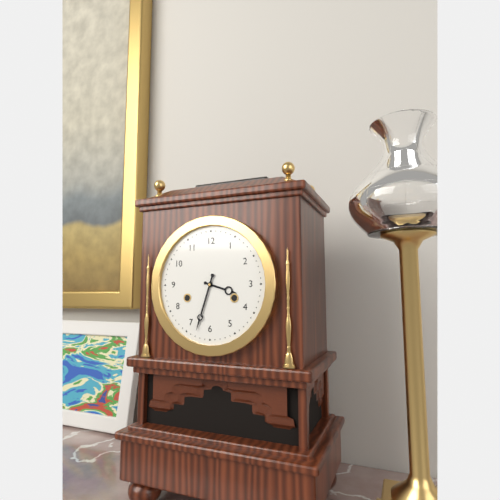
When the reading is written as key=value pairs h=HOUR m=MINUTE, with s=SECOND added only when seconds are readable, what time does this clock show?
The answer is h=3 m=33
